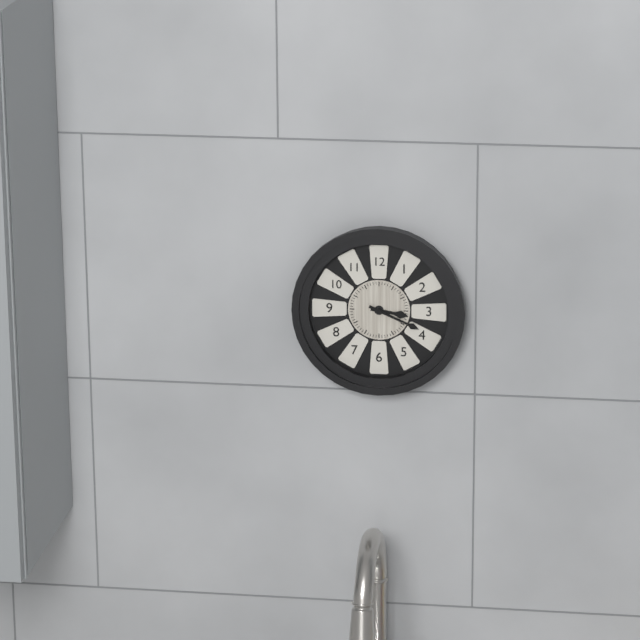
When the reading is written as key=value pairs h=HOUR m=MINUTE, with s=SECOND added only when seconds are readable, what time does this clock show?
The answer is h=3 m=19
